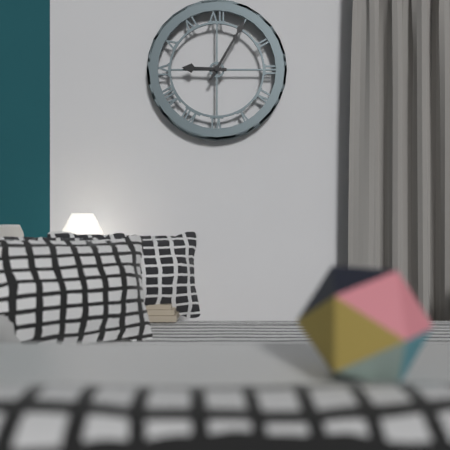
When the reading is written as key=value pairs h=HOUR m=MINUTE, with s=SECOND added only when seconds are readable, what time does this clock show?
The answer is h=9 m=5
